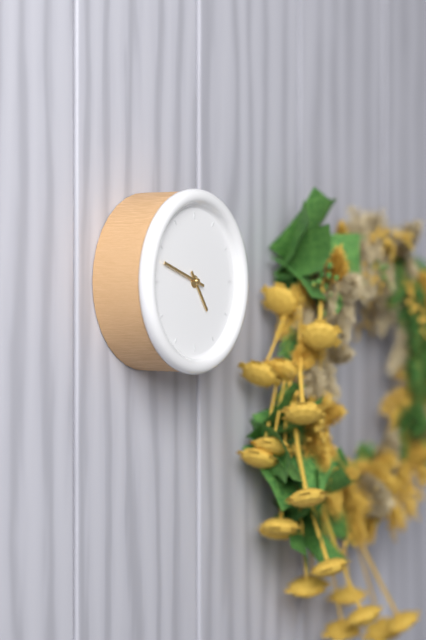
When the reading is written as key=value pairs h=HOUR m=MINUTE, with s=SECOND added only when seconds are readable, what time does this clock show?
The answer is h=4 m=48
